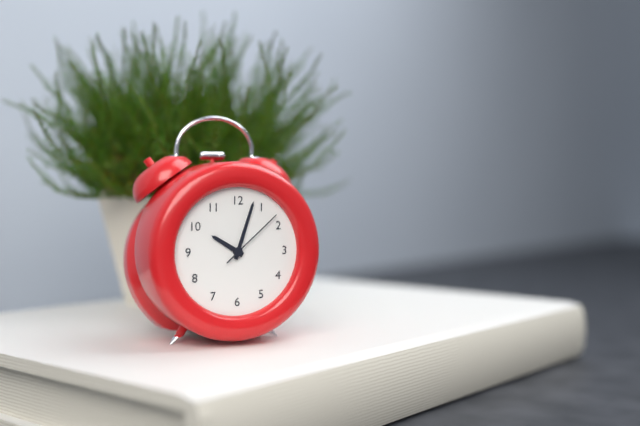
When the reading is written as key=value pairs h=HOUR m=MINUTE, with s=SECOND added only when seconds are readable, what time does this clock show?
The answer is h=10 m=3 s=8
